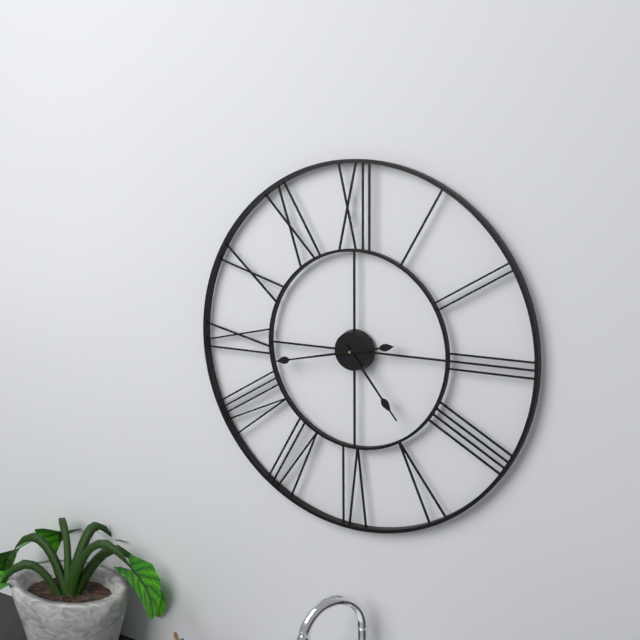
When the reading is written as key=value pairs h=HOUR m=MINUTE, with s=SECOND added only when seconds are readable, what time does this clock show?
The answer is h=4 m=43
